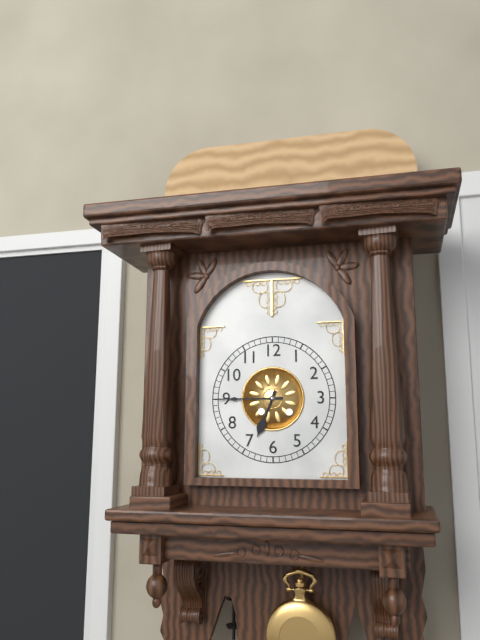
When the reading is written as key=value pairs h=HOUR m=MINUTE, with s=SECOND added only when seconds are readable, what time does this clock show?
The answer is h=6 m=45
